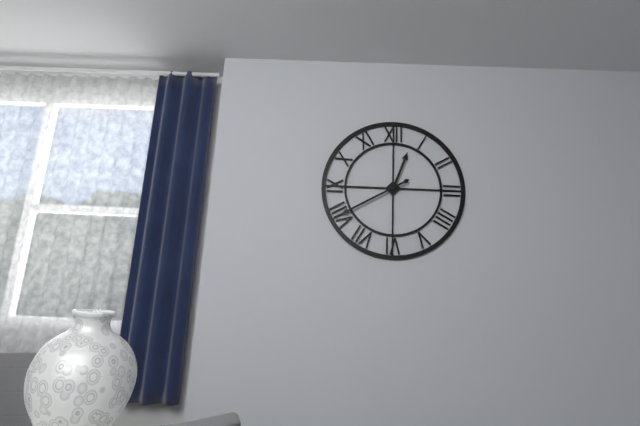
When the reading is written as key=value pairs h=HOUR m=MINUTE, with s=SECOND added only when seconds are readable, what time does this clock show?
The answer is h=12 m=40
